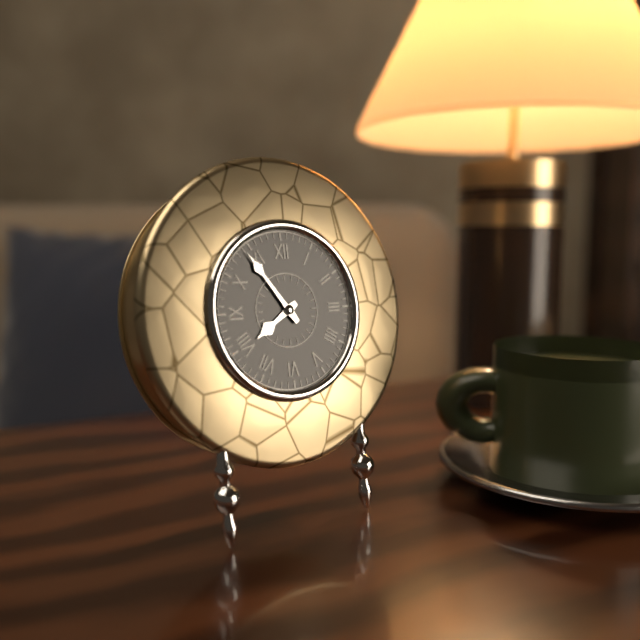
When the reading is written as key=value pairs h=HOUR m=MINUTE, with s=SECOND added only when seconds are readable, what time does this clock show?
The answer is h=7 m=54
